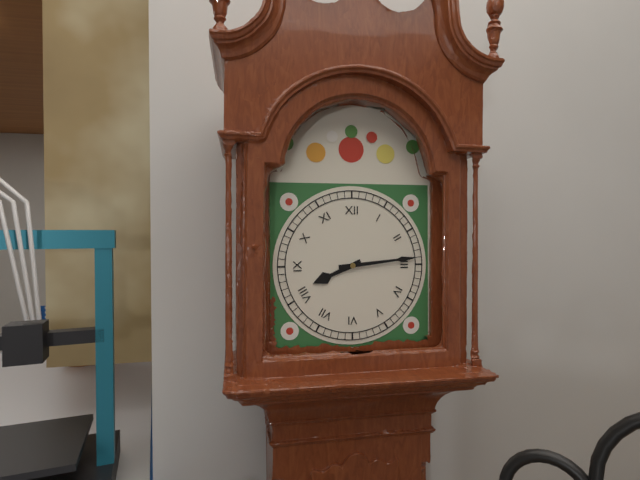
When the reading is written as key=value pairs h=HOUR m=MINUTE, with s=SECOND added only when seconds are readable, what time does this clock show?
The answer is h=8 m=14
